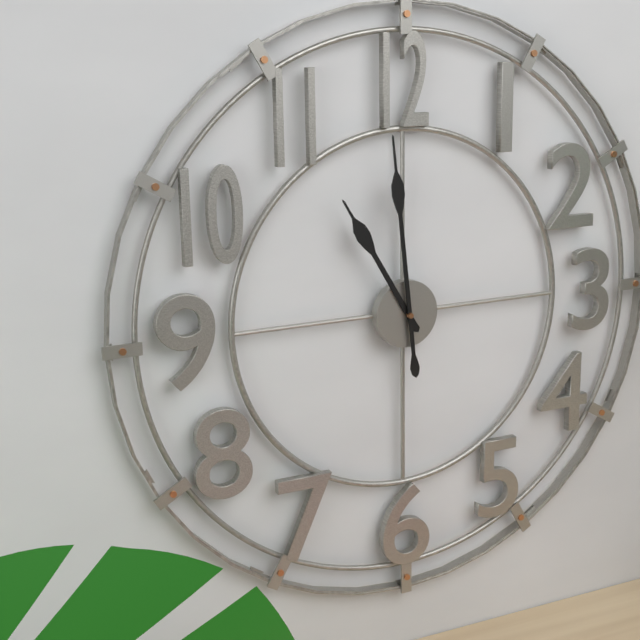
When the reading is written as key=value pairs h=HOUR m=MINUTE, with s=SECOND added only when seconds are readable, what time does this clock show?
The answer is h=10 m=59
